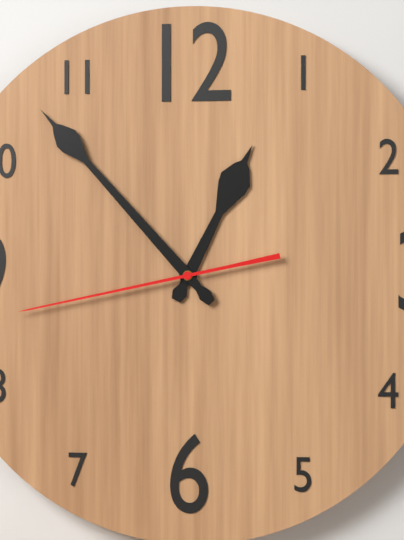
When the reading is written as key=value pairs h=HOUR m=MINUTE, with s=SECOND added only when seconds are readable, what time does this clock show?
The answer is h=12 m=53 s=43
